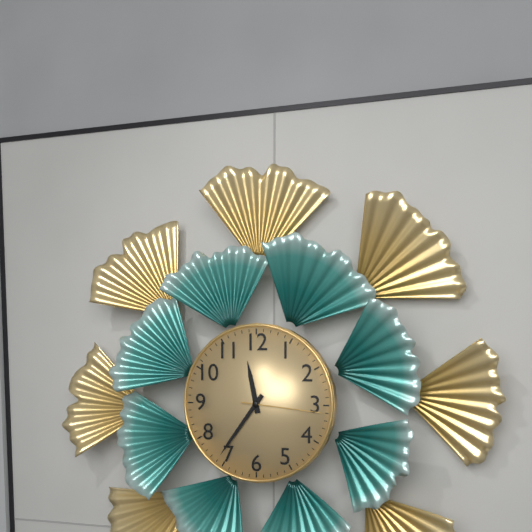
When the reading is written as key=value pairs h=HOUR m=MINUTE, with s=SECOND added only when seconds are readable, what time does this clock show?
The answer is h=11 m=36 s=16
